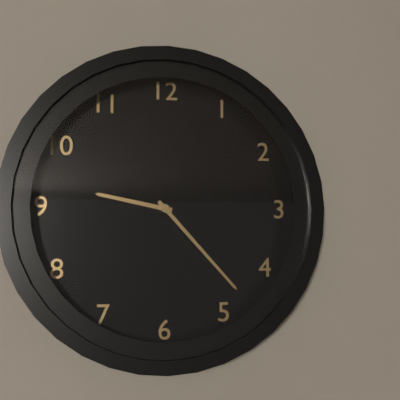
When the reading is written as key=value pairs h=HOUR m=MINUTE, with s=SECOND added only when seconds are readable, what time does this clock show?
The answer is h=9 m=23
